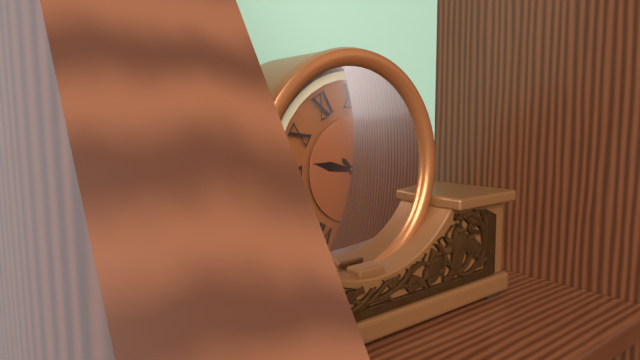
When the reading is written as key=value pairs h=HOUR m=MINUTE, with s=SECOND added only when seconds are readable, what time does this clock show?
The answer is h=9 m=22
